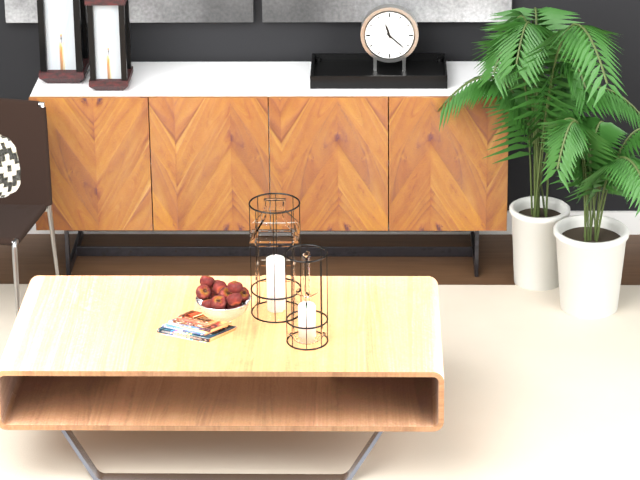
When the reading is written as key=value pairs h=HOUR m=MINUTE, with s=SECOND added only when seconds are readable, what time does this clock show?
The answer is h=11 m=22
